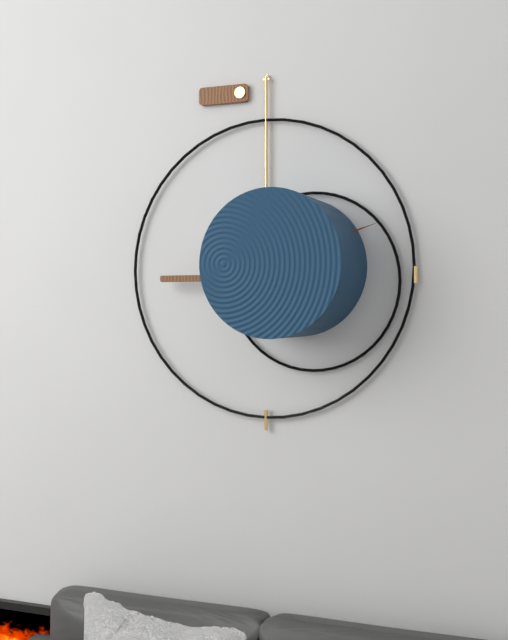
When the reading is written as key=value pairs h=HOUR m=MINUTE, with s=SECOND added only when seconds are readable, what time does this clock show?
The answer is h=1 m=12
